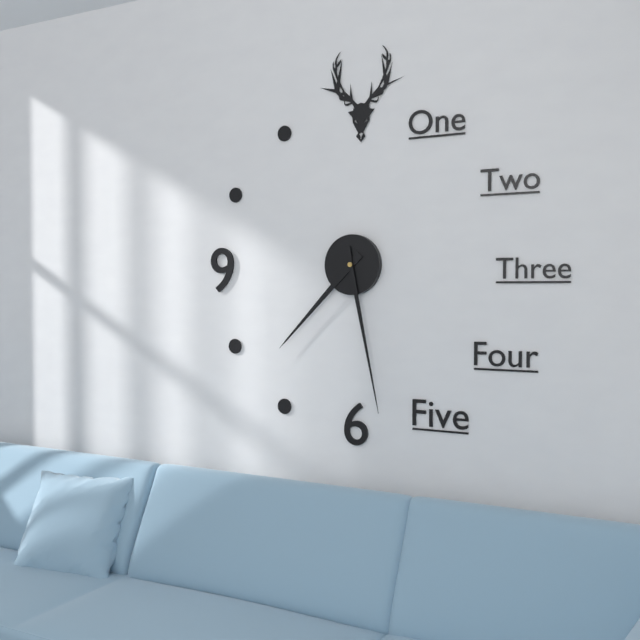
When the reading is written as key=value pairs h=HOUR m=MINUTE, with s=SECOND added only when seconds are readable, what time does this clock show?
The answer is h=7 m=28
